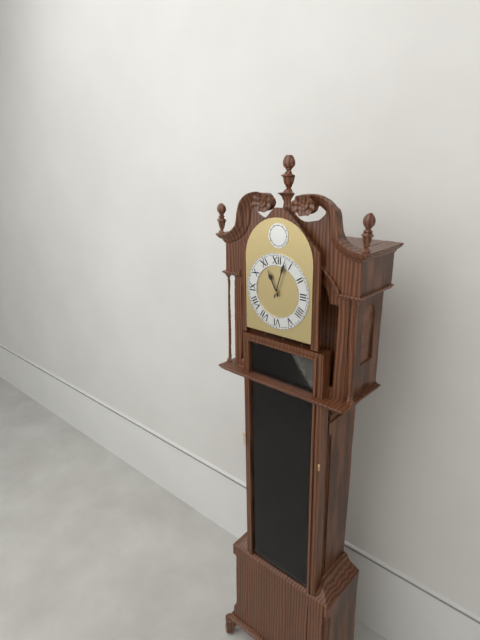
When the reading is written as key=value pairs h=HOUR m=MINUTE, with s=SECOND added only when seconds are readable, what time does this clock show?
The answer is h=11 m=3
